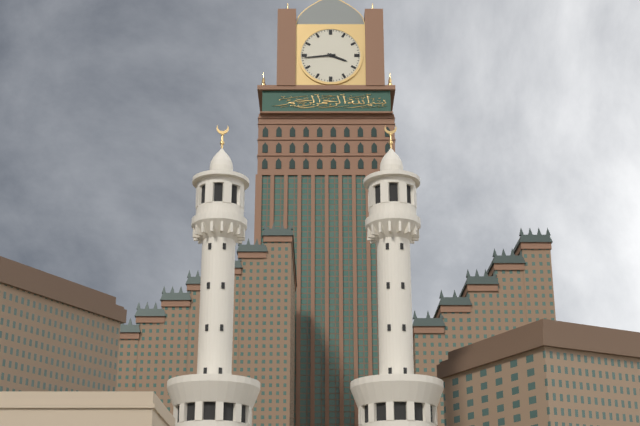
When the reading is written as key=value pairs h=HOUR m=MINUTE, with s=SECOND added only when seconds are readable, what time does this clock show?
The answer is h=3 m=44
